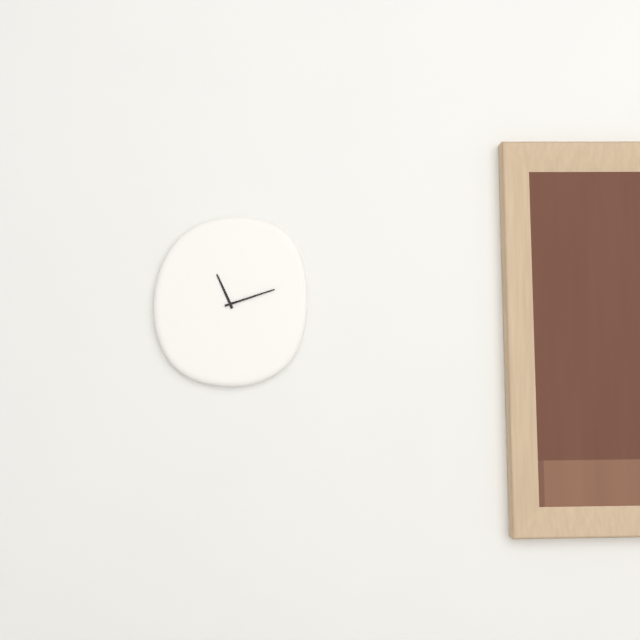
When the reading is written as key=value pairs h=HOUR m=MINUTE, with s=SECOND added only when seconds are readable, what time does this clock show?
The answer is h=11 m=12
